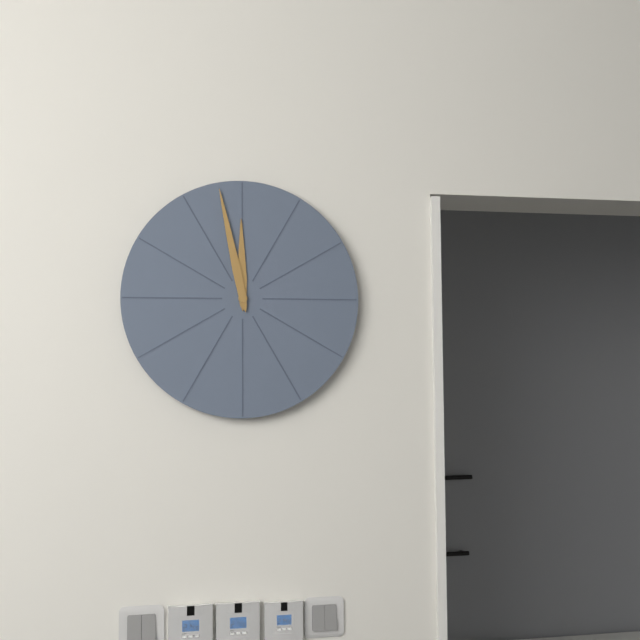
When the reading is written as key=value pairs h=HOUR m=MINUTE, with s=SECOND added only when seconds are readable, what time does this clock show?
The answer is h=11 m=58
